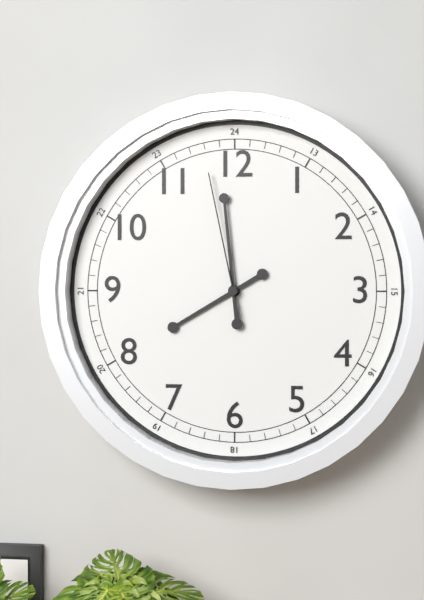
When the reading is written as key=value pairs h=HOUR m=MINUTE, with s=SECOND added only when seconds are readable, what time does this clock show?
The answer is h=7 m=59 s=58
